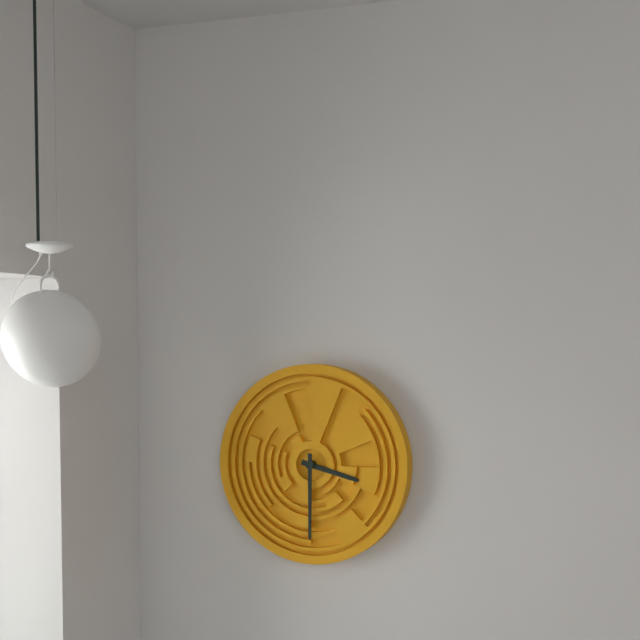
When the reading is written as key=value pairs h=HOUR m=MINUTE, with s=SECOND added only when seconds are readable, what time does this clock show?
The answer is h=3 m=30
